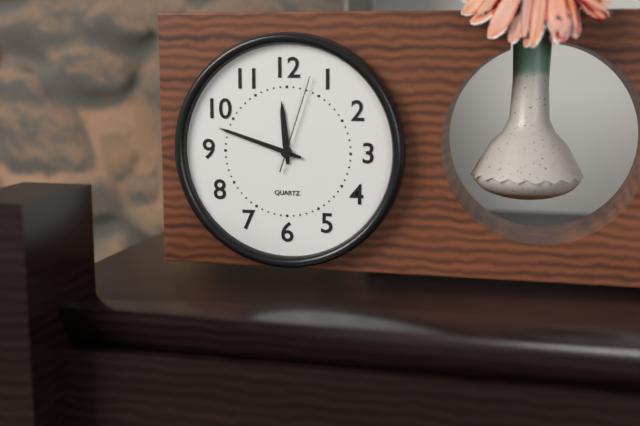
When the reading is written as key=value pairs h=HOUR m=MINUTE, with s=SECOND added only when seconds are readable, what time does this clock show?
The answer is h=11 m=48 s=3
